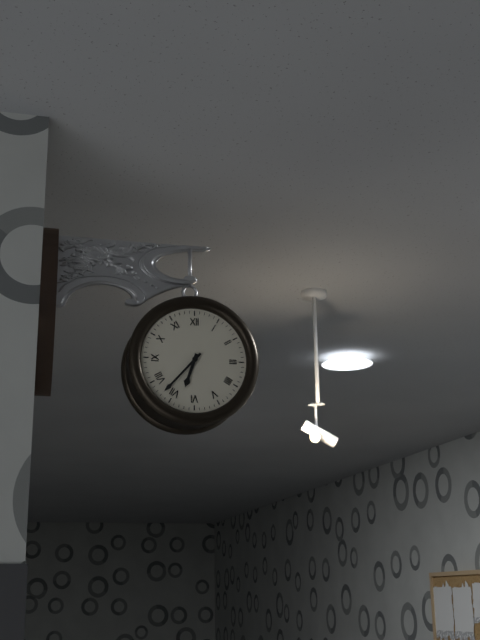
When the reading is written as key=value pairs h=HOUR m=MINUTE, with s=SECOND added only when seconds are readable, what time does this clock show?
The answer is h=6 m=37
